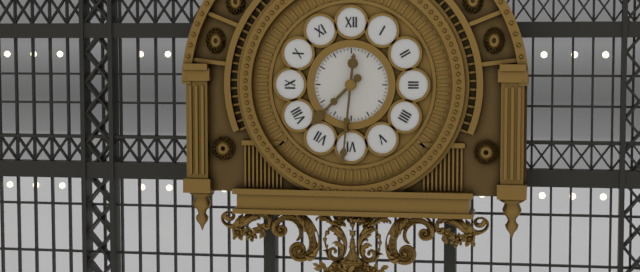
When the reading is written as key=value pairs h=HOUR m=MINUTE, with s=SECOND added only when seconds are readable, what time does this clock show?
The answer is h=7 m=31
